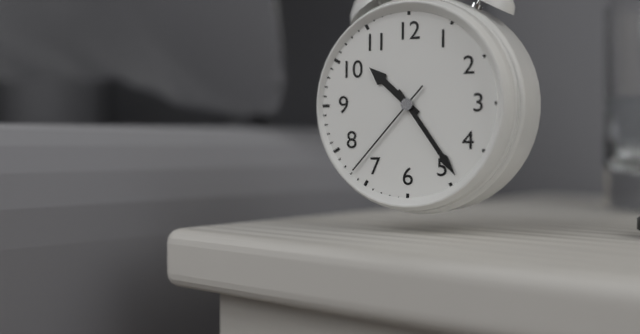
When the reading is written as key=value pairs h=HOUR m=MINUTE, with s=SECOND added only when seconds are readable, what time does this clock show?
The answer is h=10 m=24 s=37
